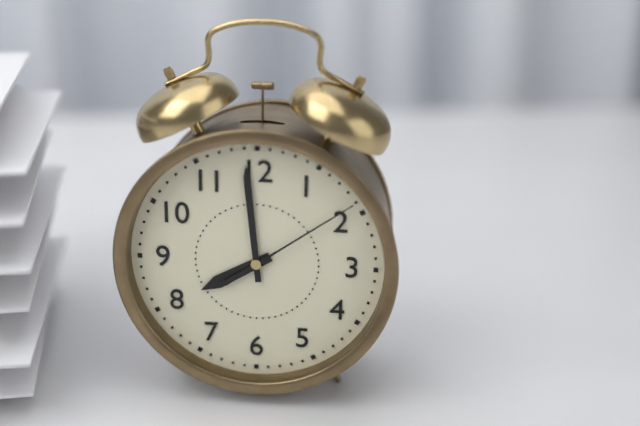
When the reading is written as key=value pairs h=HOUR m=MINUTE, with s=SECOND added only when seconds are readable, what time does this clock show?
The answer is h=7 m=59 s=9
